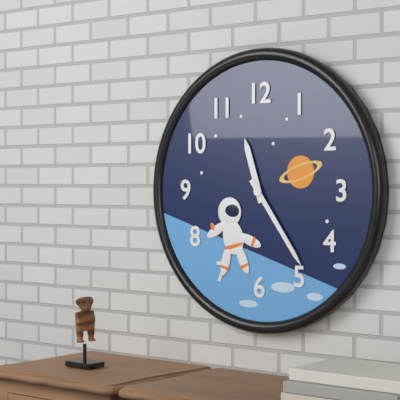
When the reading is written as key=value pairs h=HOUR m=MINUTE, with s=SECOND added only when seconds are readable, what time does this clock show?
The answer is h=11 m=24
